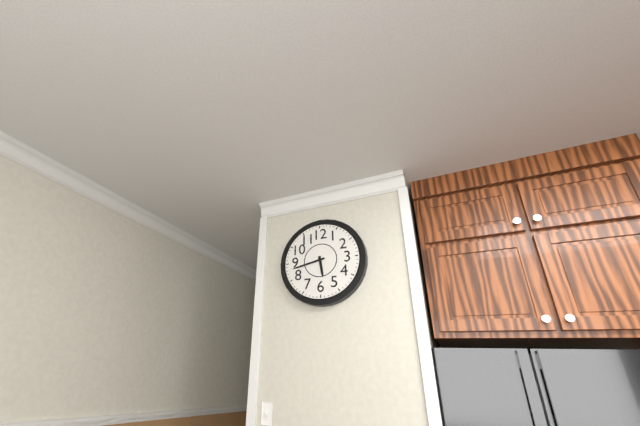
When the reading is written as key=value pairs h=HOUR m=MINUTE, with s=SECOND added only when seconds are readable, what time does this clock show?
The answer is h=5 m=43
